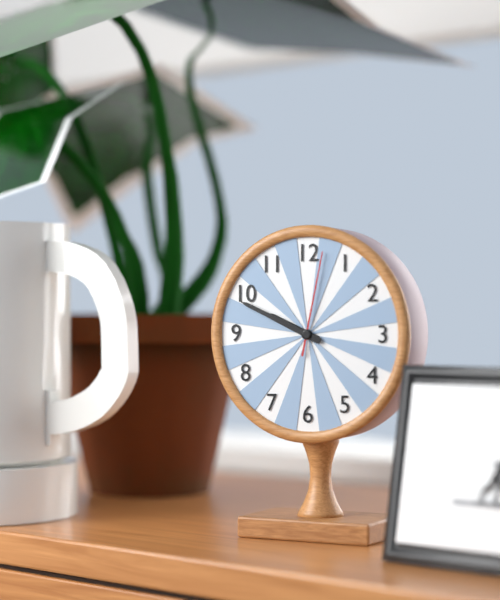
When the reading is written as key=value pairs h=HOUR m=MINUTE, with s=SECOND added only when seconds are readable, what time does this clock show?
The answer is h=9 m=49 s=2
